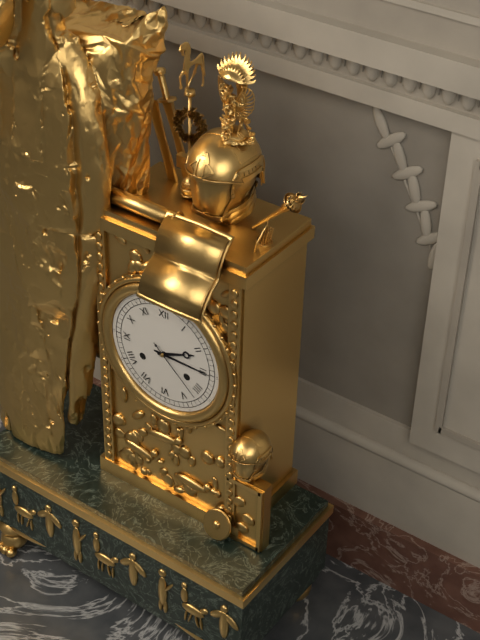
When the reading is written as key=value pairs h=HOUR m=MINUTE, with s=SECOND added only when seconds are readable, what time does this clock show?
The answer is h=2 m=15 s=22
